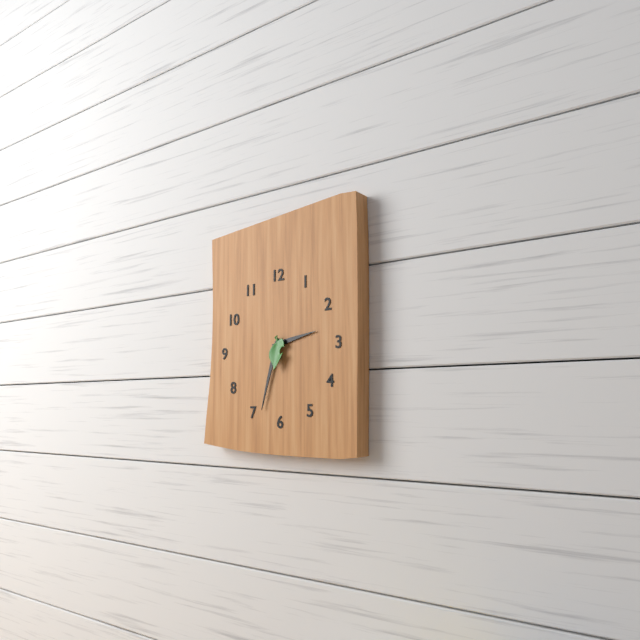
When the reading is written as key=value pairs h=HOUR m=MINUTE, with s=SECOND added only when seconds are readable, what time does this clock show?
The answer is h=2 m=33
